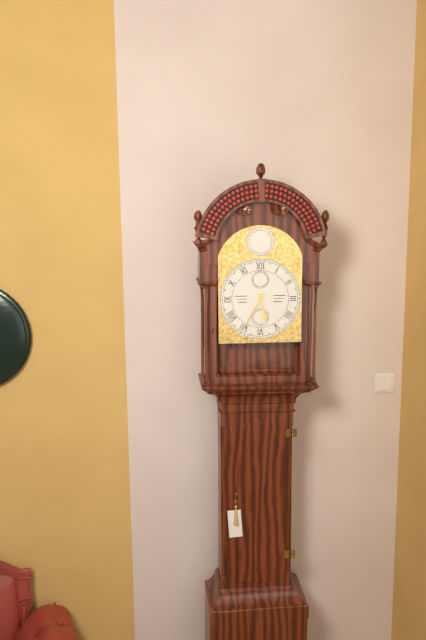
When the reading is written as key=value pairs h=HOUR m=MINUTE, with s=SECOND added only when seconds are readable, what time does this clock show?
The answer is h=5 m=35
